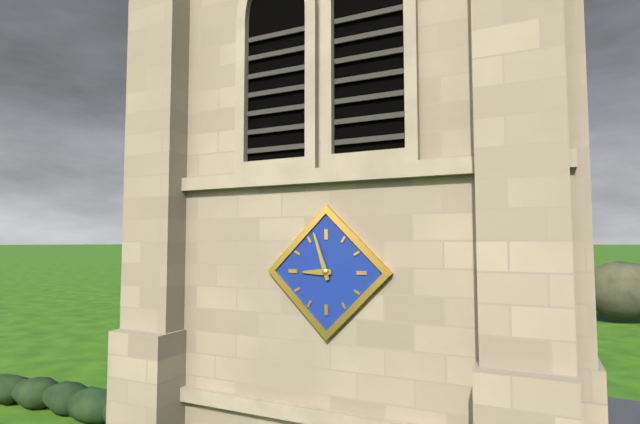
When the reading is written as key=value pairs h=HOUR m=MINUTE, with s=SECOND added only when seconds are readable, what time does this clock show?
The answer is h=8 m=57
